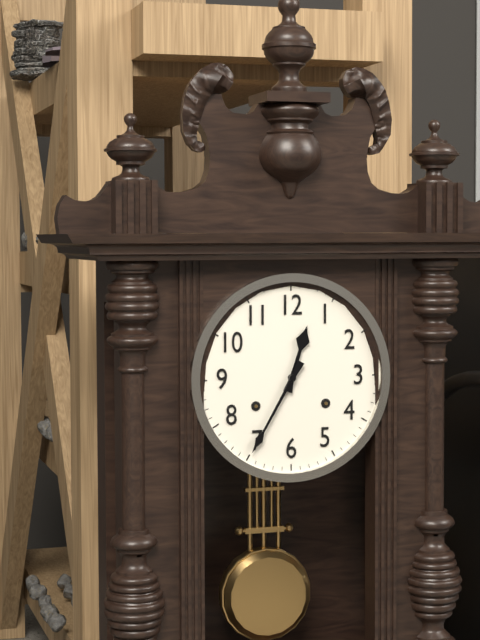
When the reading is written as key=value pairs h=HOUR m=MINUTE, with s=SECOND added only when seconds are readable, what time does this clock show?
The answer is h=12 m=35
